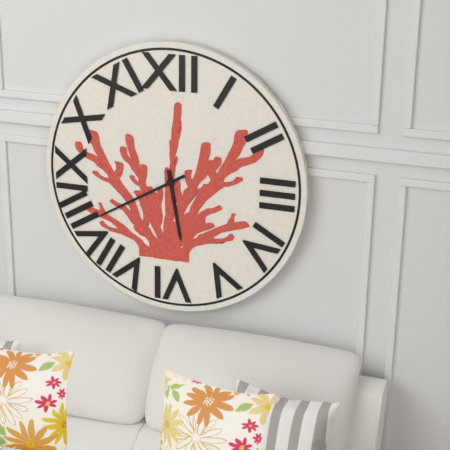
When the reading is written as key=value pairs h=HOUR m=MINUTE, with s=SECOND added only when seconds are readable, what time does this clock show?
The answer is h=5 m=40
